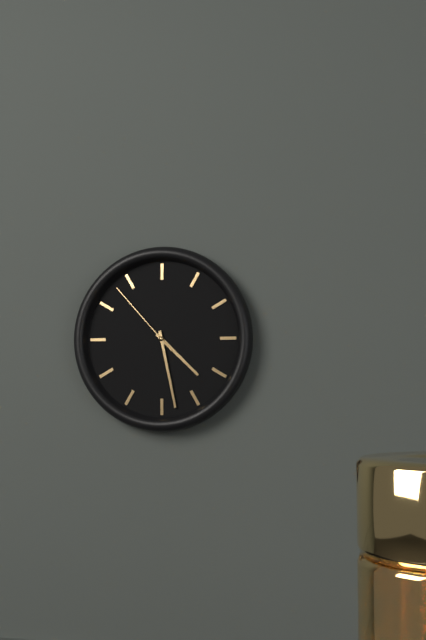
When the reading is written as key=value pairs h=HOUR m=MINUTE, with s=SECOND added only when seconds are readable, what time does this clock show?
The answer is h=4 m=28 s=53
